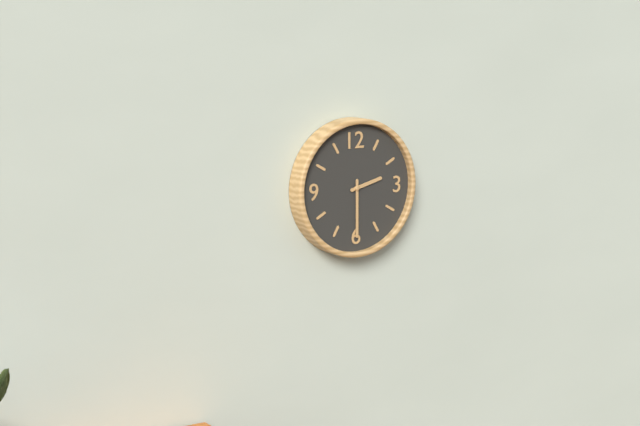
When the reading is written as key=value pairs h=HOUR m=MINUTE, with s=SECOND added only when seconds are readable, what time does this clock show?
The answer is h=2 m=30
